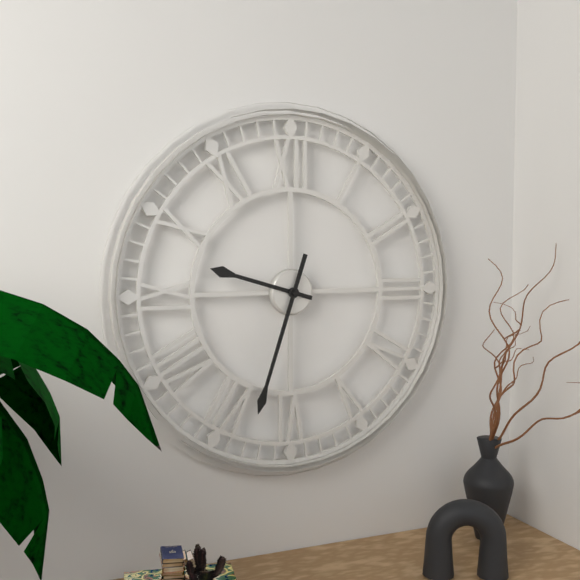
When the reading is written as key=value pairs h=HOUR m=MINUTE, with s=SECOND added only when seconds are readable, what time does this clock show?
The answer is h=9 m=33
